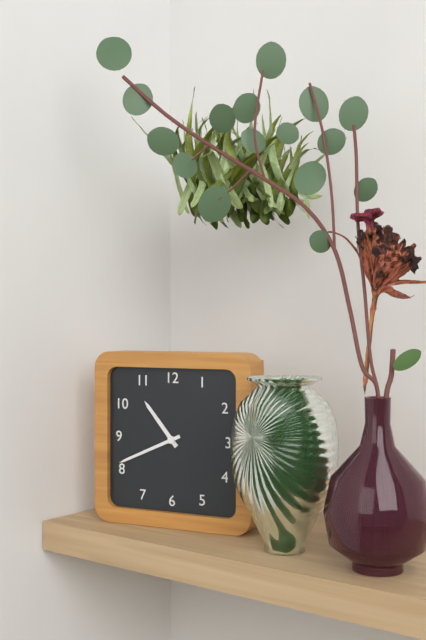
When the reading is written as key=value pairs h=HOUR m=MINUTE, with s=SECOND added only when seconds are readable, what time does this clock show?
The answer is h=10 m=41
